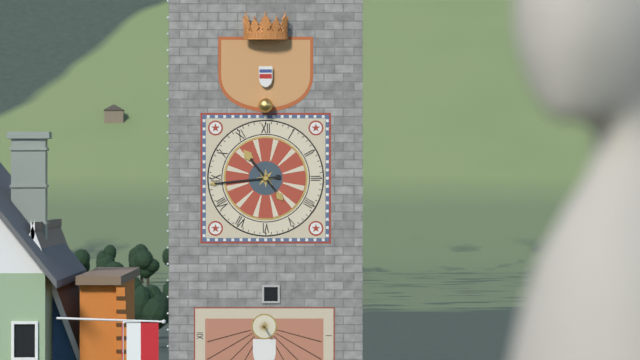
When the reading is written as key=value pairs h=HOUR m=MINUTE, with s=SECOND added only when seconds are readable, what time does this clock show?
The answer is h=10 m=44
